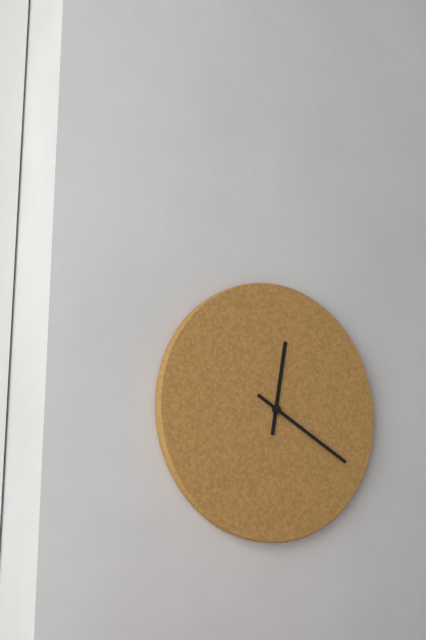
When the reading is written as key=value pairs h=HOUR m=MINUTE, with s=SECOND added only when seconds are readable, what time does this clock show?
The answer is h=12 m=20
